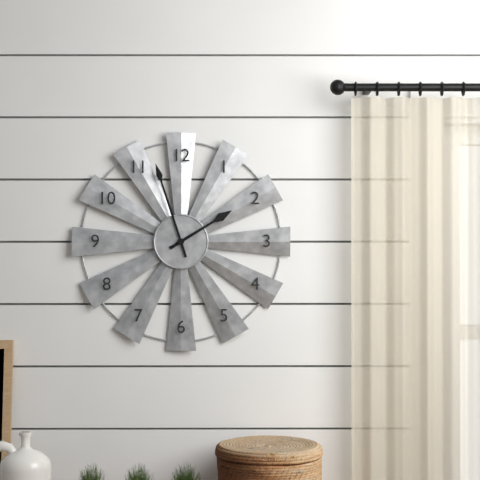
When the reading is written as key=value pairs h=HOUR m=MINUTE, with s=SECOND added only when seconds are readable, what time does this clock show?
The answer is h=1 m=57
